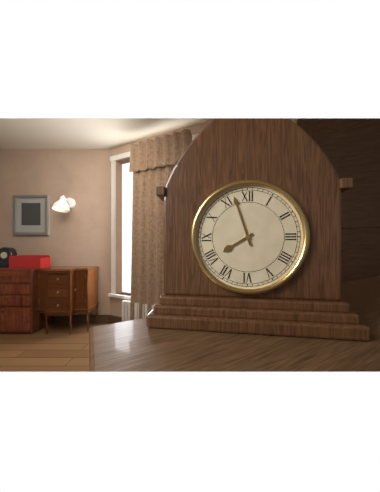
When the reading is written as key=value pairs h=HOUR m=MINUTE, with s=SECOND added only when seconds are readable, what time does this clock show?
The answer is h=7 m=57
